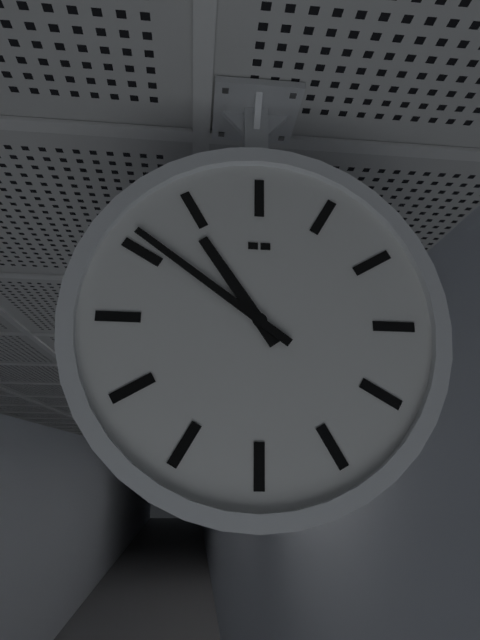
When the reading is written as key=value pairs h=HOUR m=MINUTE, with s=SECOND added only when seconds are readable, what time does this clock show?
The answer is h=10 m=51
